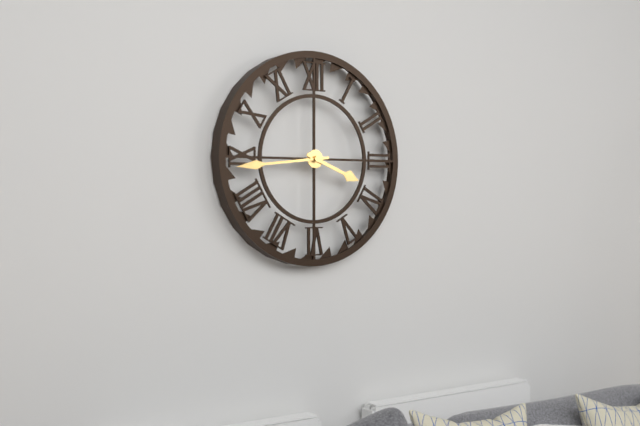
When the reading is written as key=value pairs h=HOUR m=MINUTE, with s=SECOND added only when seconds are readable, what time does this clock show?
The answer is h=3 m=44
